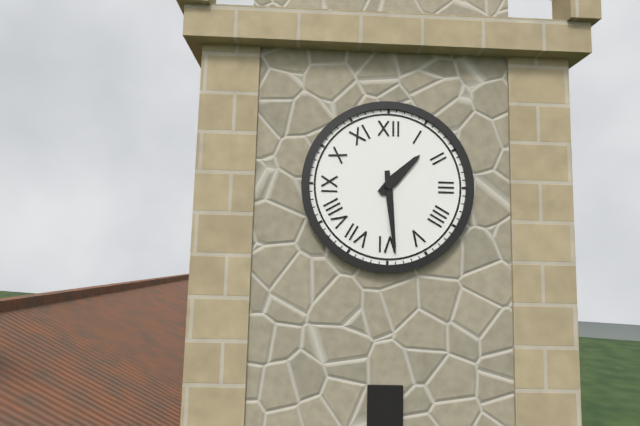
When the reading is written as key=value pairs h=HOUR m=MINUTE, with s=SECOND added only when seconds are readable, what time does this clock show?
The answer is h=1 m=29
